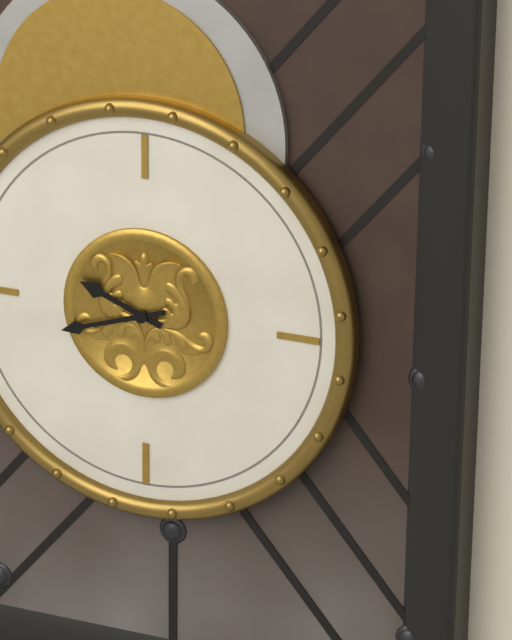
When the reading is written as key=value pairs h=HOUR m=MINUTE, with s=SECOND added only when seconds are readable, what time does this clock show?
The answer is h=9 m=42
